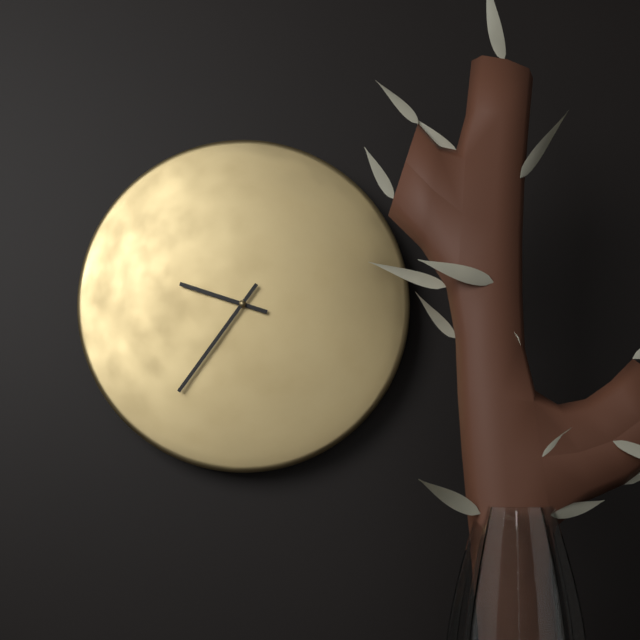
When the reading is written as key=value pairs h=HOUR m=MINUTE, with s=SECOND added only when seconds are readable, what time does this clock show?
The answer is h=9 m=36
